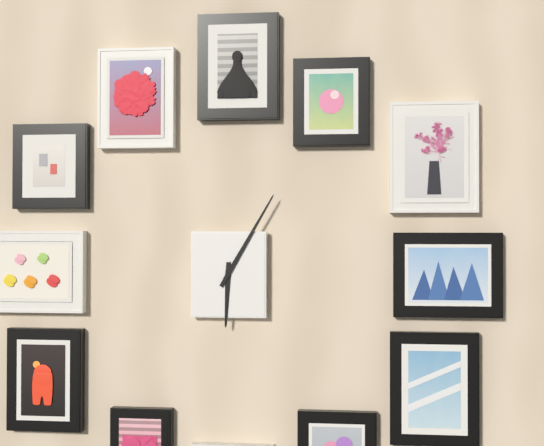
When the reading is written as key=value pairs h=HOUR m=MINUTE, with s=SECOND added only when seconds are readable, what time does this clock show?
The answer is h=6 m=5
